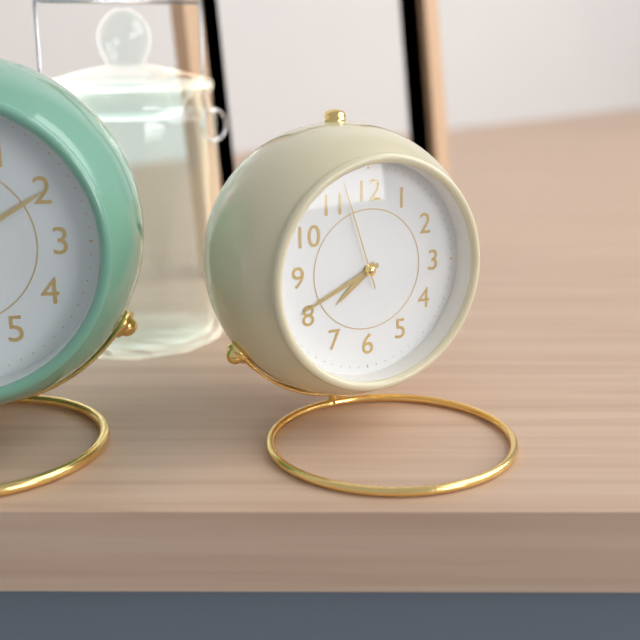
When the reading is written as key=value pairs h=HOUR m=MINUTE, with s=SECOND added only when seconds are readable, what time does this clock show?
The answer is h=7 m=41 s=57
